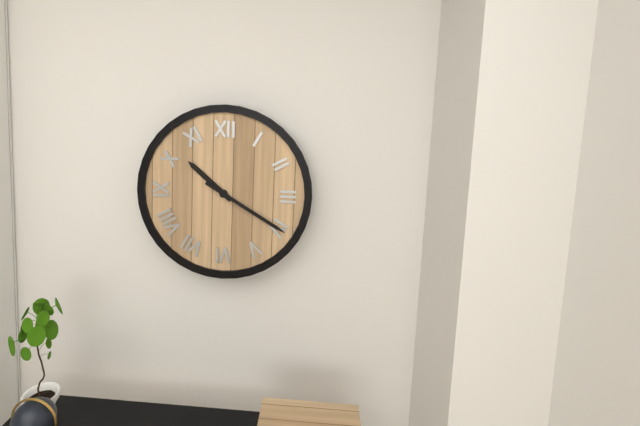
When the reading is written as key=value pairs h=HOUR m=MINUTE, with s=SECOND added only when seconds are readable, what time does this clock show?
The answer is h=10 m=20
